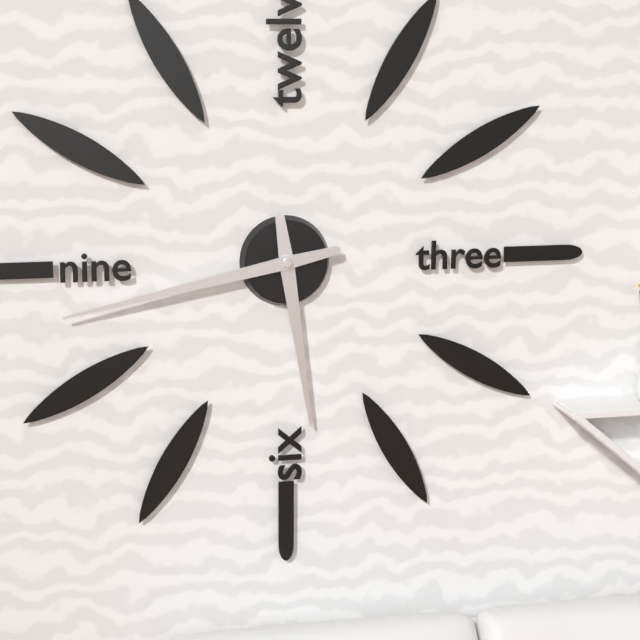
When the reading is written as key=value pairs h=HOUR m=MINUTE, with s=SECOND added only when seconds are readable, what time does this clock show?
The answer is h=5 m=43
